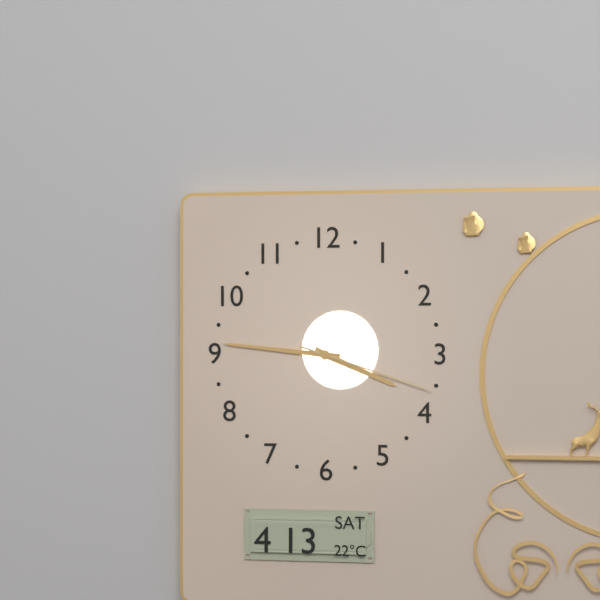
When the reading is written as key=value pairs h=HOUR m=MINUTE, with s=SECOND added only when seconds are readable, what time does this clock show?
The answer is h=3 m=46 s=18
